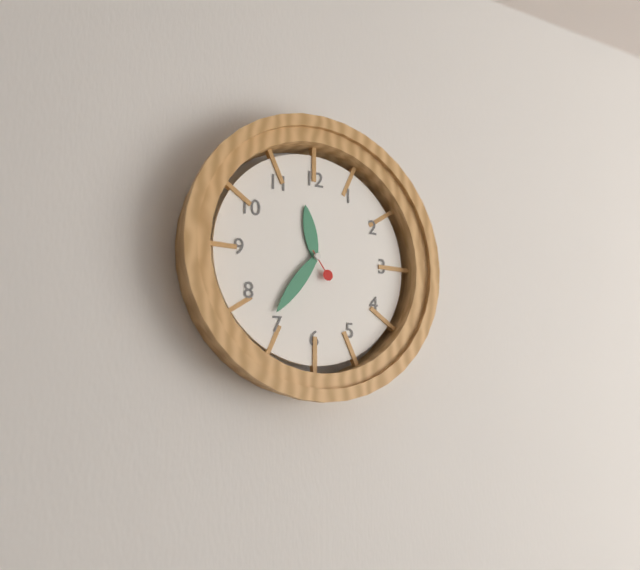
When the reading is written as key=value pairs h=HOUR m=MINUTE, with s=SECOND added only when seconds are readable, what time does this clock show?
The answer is h=11 m=36
